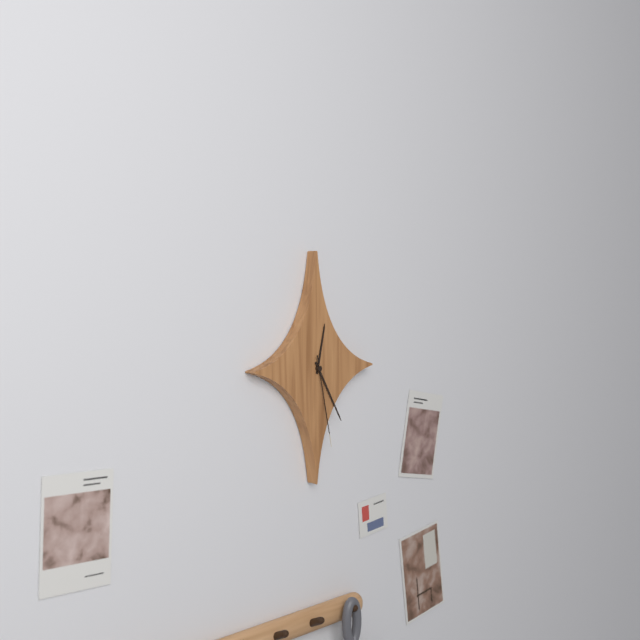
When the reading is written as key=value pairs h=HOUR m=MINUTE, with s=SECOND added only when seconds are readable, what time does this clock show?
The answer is h=12 m=25 s=28
